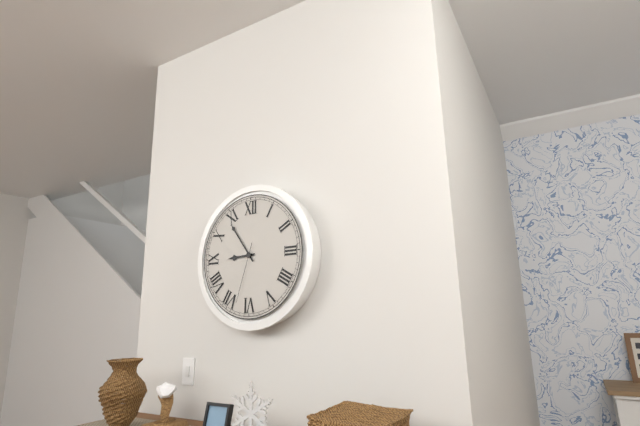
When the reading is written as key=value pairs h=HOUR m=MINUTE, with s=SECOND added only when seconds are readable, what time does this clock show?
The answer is h=8 m=54 s=33
